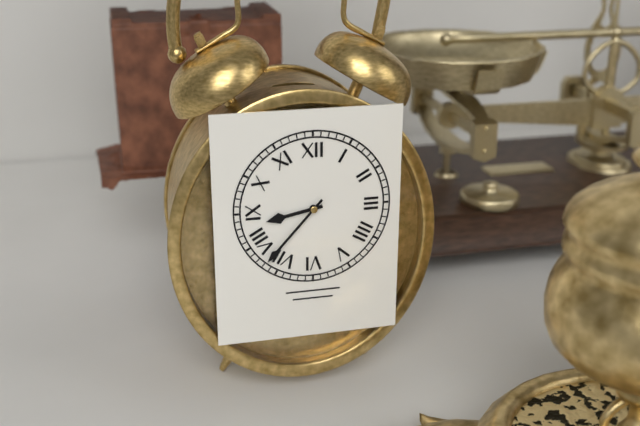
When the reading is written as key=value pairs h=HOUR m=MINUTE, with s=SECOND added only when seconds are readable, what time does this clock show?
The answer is h=8 m=37
